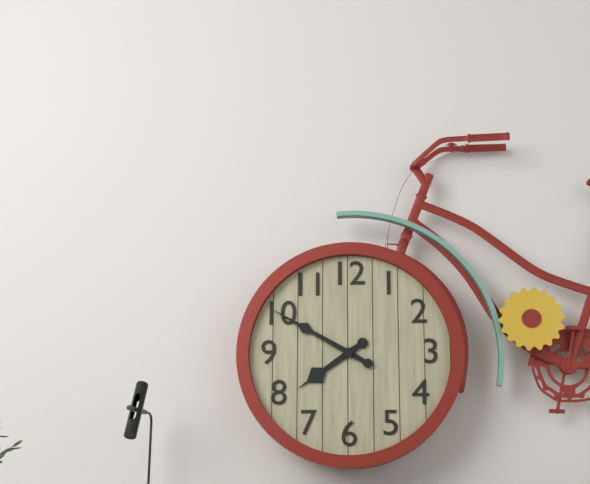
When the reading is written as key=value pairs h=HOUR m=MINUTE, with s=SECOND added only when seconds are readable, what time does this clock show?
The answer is h=7 m=50
